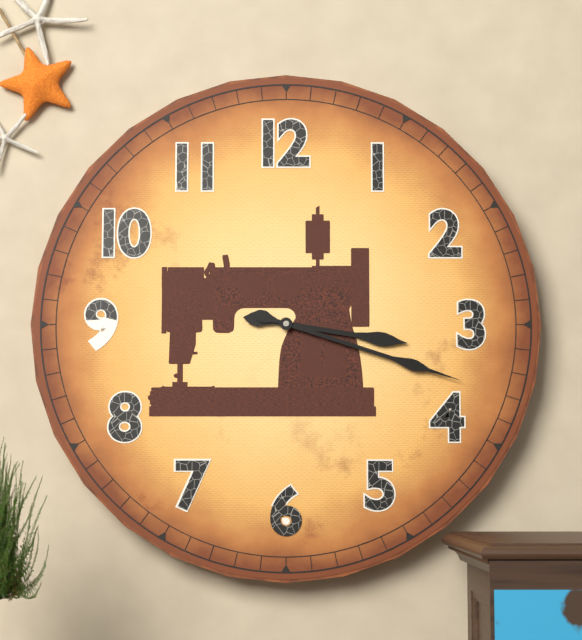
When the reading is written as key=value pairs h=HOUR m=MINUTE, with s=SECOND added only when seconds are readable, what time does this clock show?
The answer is h=3 m=18
